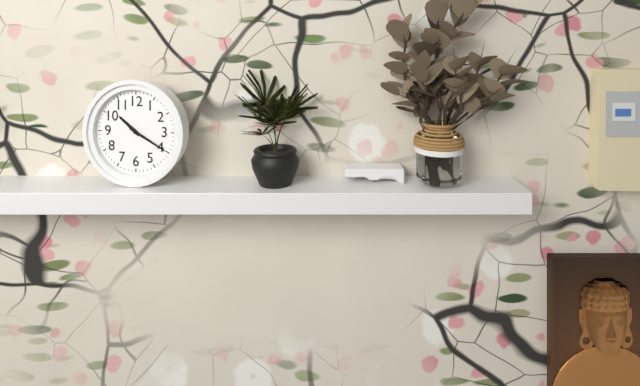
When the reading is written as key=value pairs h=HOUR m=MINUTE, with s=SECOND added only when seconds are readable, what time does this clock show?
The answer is h=10 m=20
